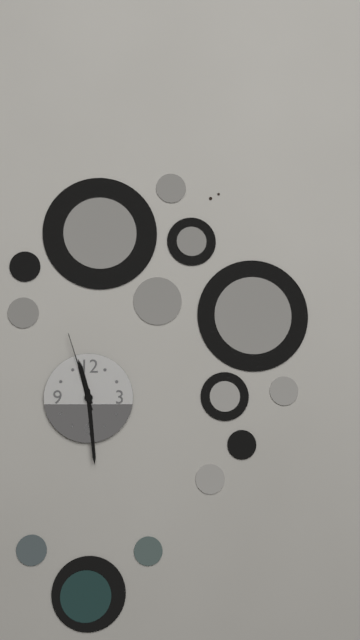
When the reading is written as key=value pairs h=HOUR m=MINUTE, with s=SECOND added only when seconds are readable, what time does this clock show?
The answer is h=11 m=29 s=57
